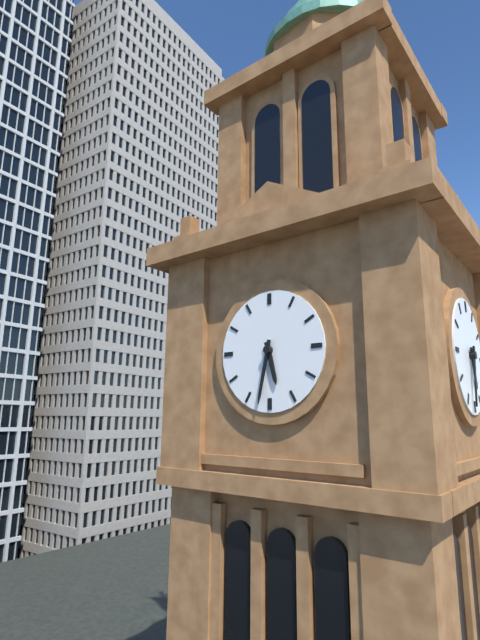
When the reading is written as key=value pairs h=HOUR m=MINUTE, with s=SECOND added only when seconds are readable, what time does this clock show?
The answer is h=5 m=32
